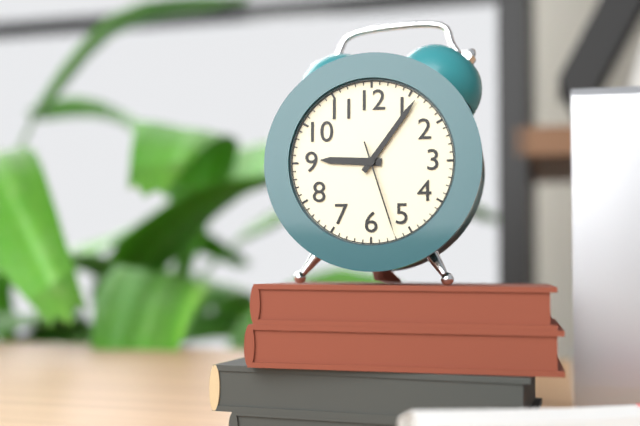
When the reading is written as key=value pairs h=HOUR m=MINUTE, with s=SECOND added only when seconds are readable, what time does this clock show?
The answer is h=9 m=6 s=27
